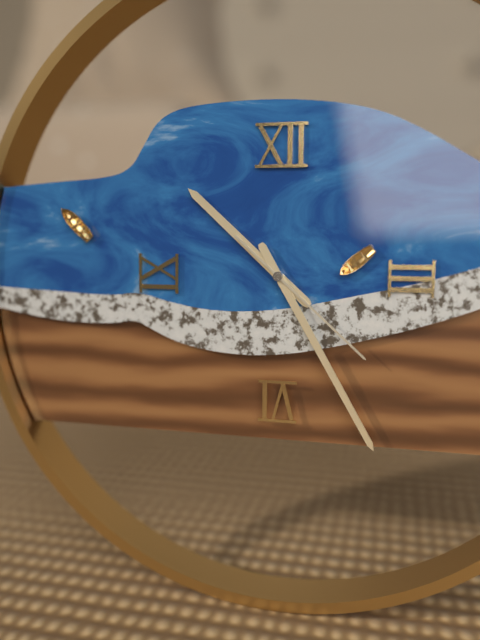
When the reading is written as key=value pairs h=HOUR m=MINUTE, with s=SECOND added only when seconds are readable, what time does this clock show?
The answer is h=10 m=25 s=22
